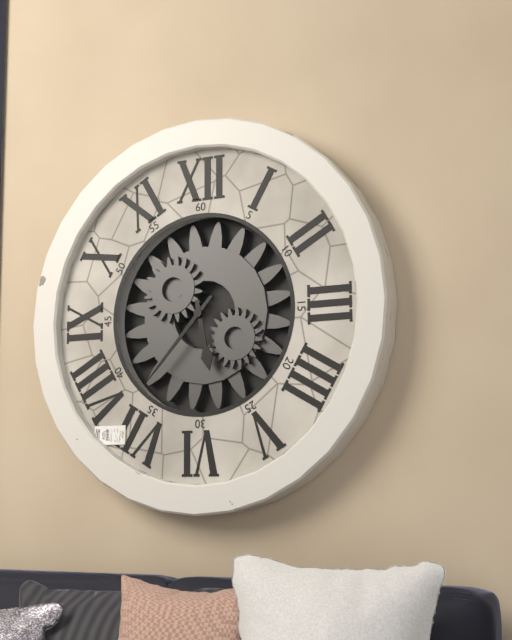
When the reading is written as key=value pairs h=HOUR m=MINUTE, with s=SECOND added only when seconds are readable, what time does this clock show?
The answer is h=5 m=37
